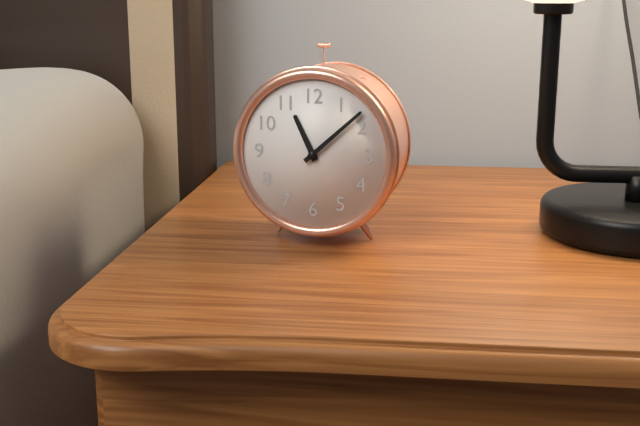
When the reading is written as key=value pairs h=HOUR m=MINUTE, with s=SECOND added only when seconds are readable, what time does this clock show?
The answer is h=11 m=8
